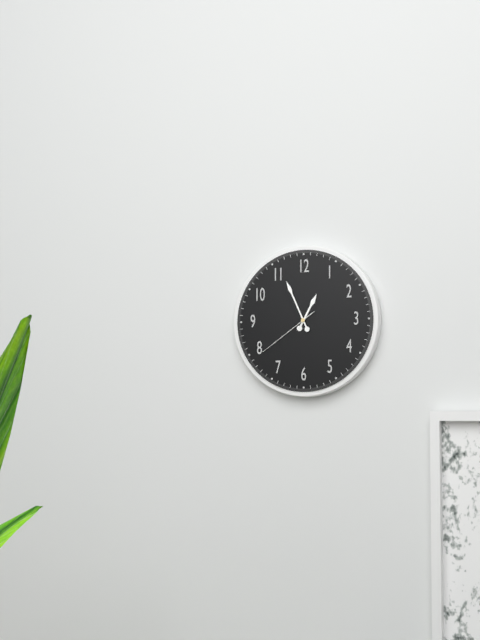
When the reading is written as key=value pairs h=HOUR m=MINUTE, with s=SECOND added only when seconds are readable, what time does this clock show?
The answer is h=12 m=56 s=39
